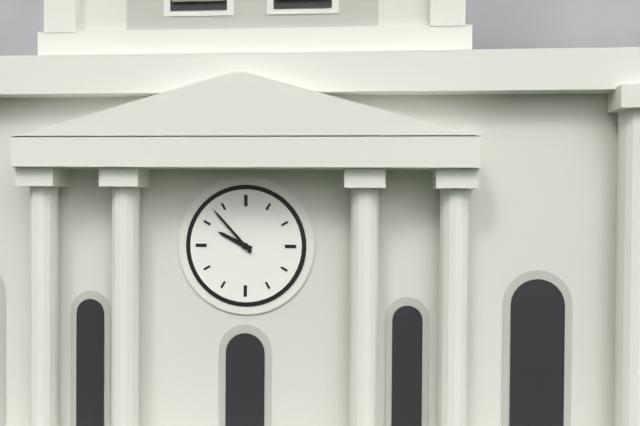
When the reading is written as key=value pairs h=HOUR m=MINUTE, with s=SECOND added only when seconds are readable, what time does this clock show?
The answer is h=9 m=53
